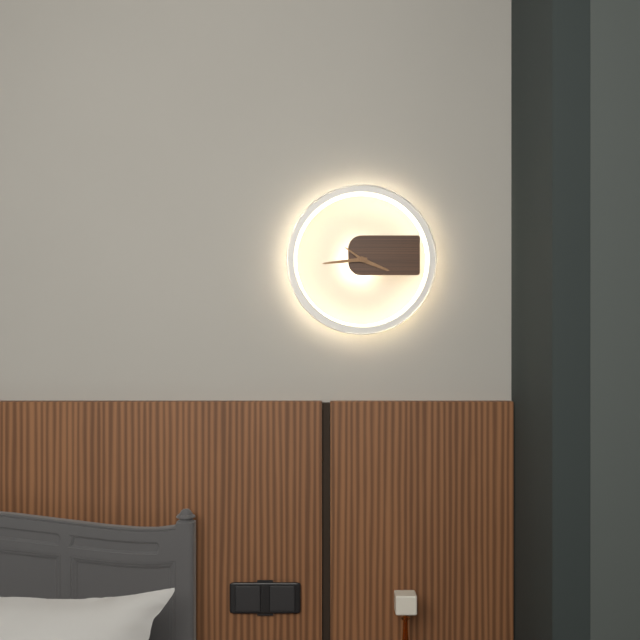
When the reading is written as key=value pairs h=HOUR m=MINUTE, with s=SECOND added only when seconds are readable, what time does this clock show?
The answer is h=3 m=44
